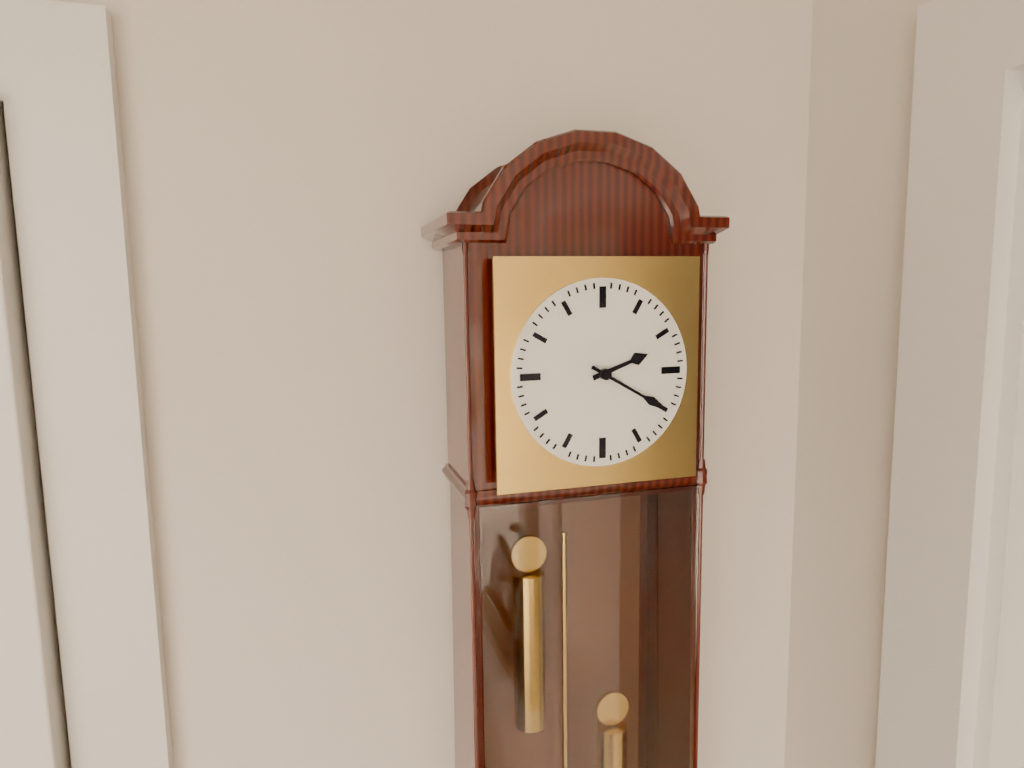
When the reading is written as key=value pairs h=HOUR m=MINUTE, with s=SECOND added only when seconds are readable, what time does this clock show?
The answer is h=2 m=20
